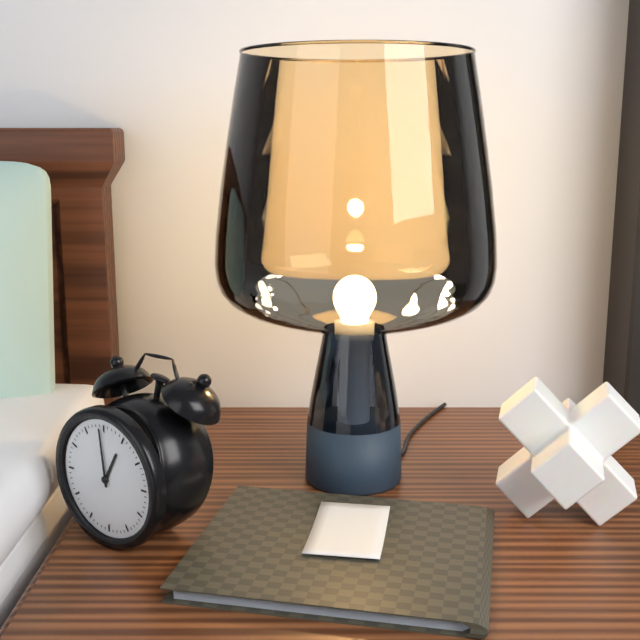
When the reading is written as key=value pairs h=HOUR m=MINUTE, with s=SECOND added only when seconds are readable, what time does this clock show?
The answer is h=12 m=59
